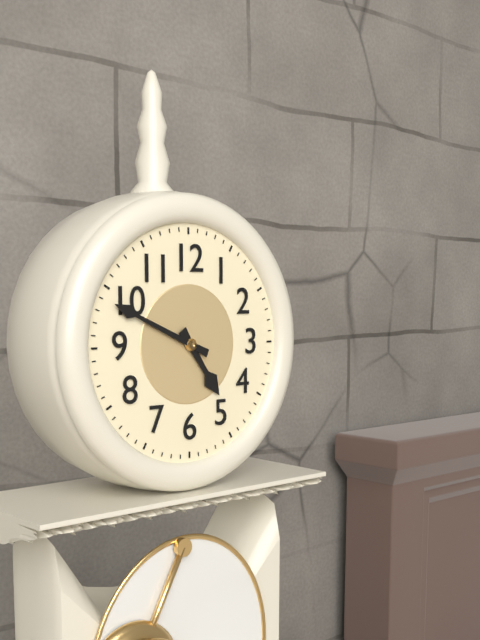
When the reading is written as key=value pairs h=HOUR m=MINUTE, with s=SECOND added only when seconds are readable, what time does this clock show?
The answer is h=4 m=49
